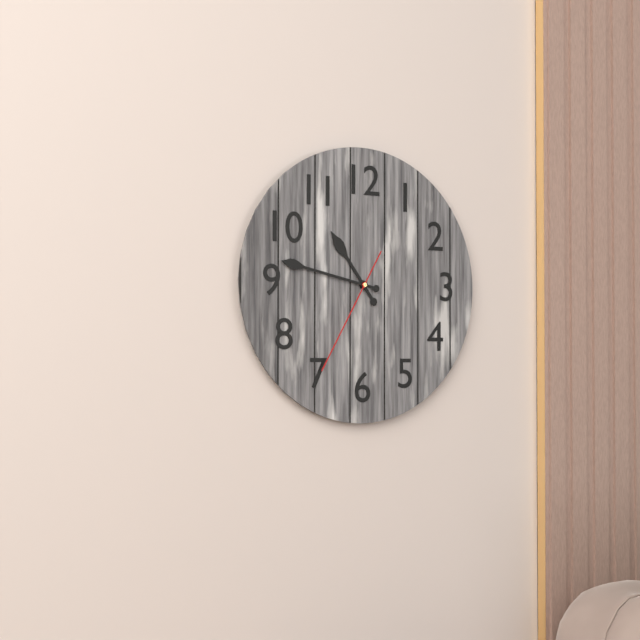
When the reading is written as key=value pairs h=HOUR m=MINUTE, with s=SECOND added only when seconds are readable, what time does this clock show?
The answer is h=10 m=47 s=35
